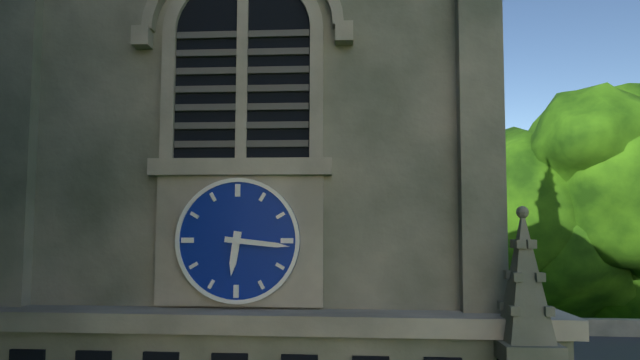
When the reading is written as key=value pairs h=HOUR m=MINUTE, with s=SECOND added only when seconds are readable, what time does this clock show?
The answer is h=6 m=16
